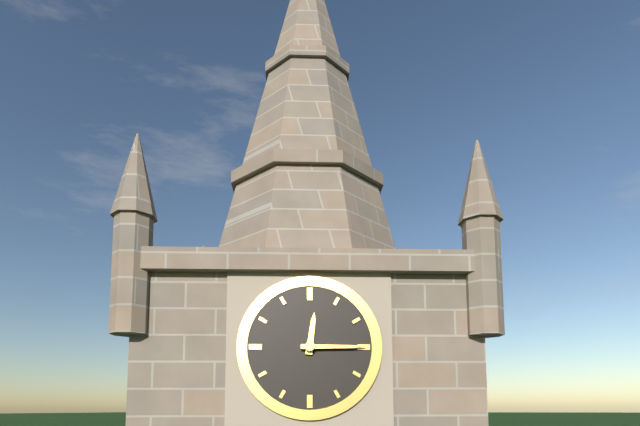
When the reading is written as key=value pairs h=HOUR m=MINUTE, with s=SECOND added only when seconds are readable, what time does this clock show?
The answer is h=12 m=15
